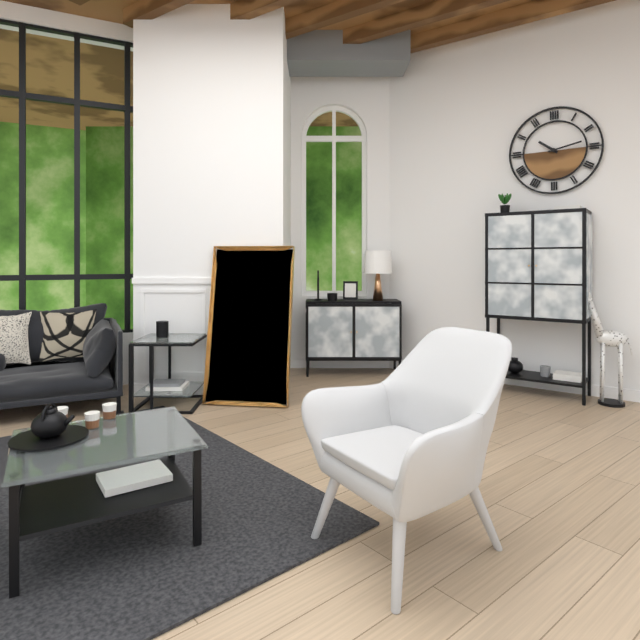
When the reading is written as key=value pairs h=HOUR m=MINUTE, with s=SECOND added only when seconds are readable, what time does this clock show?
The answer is h=10 m=13
